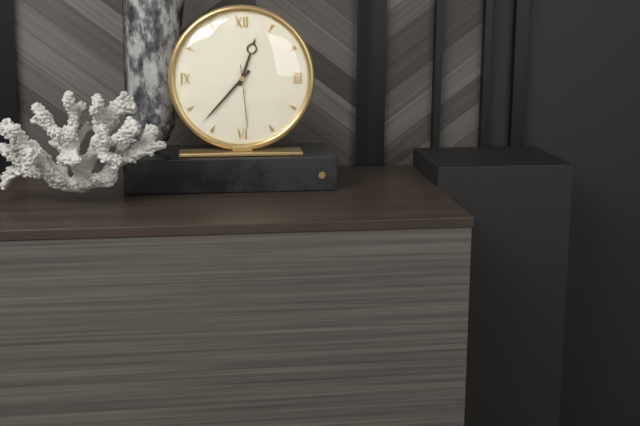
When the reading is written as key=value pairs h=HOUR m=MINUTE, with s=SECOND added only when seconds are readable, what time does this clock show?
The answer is h=12 m=37 s=29
